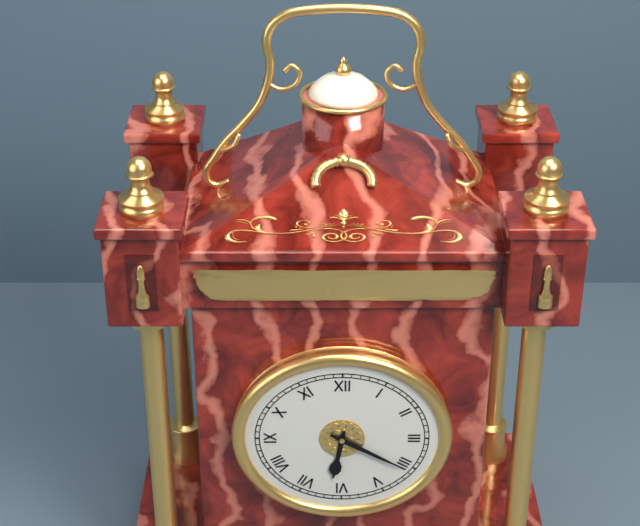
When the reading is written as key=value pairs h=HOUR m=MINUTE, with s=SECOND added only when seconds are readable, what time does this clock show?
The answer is h=6 m=20
